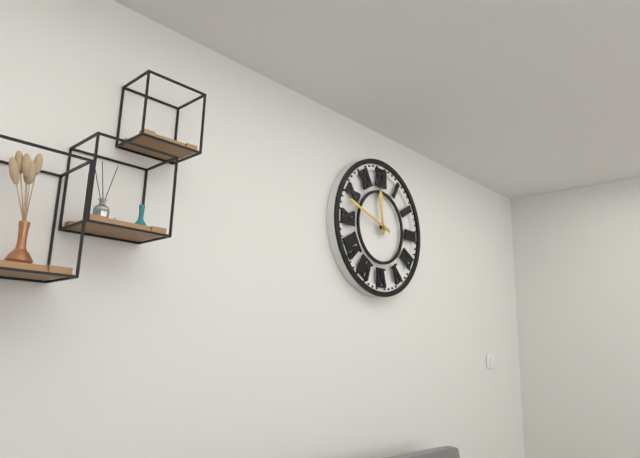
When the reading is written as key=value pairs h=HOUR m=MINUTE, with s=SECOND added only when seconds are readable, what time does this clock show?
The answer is h=11 m=48
